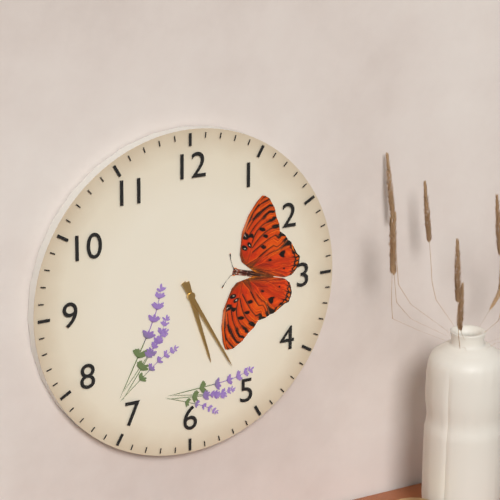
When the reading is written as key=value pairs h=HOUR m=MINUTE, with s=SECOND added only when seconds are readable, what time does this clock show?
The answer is h=5 m=25
